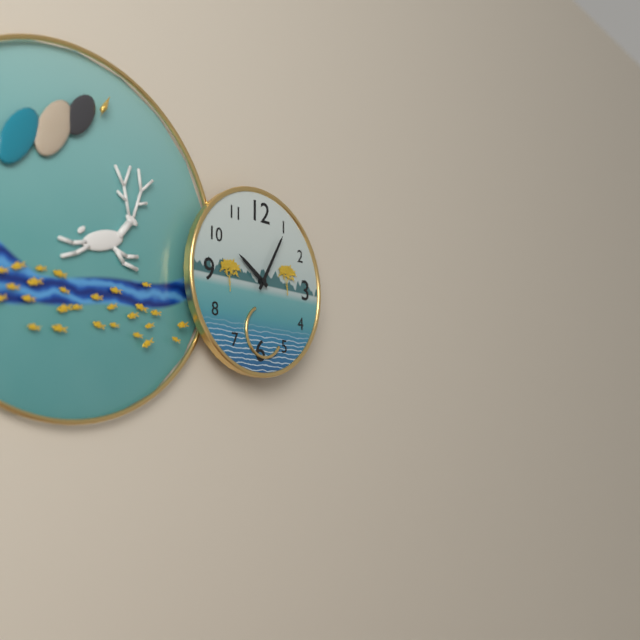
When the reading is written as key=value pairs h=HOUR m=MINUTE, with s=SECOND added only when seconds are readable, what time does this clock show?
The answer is h=10 m=5
